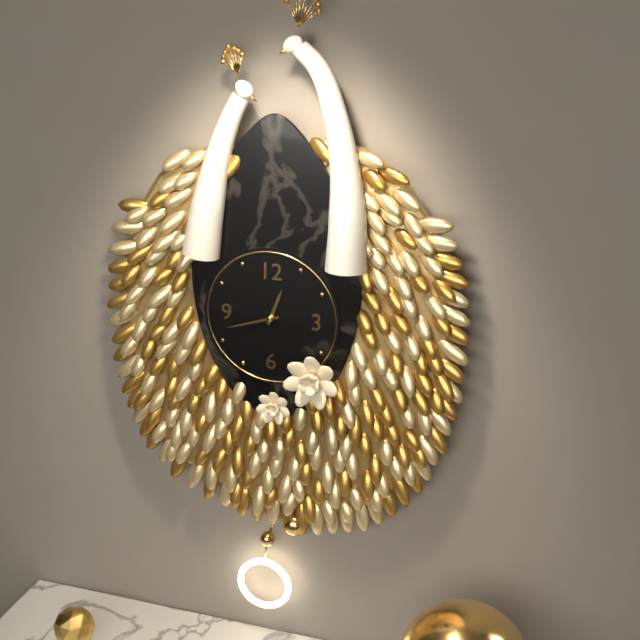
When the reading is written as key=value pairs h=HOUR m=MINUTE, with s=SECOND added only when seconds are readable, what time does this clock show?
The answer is h=12 m=42
